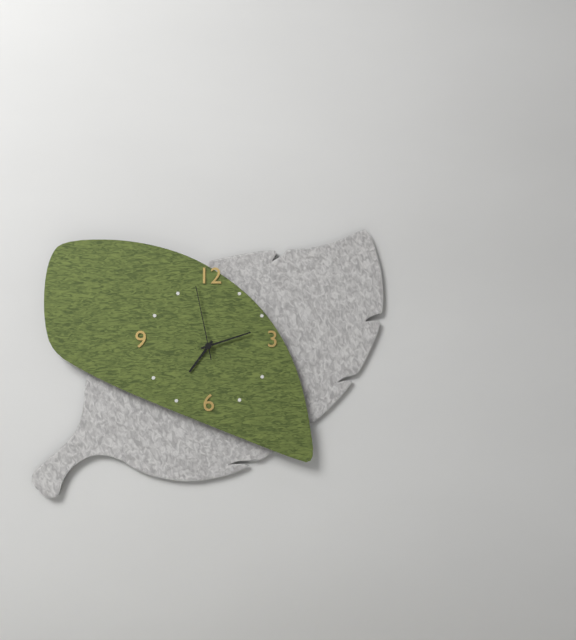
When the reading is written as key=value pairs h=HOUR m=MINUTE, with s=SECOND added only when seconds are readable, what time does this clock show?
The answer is h=7 m=12 s=58
